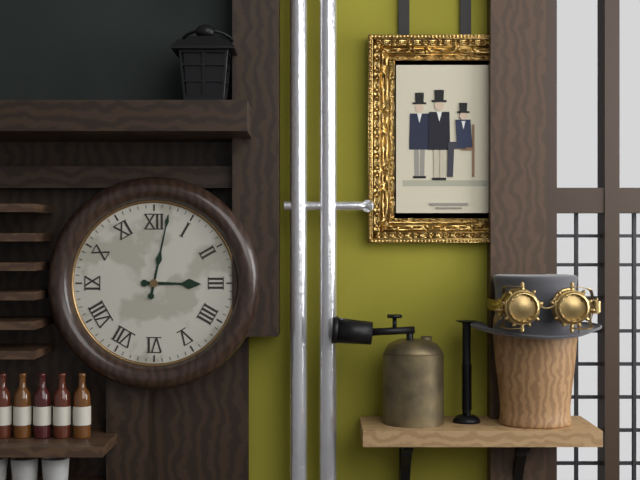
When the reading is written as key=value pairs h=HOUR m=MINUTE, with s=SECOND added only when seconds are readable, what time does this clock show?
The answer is h=3 m=2
